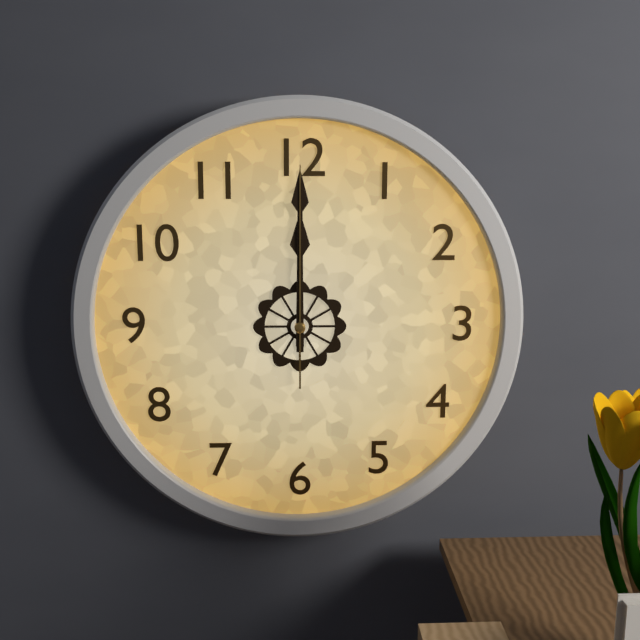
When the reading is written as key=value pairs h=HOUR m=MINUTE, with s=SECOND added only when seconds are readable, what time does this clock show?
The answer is h=12 m=0 s=0
